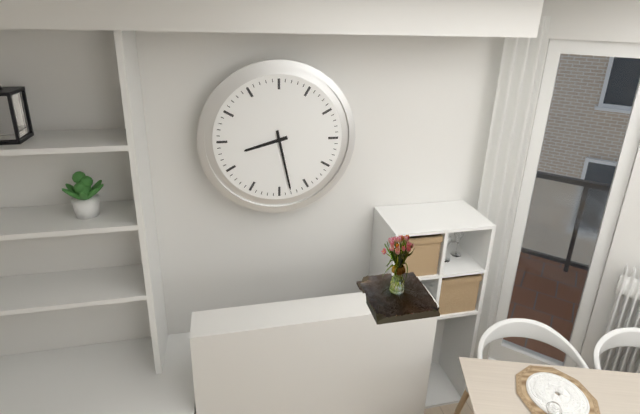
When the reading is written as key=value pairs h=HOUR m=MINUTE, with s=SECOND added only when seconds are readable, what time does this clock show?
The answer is h=8 m=28
